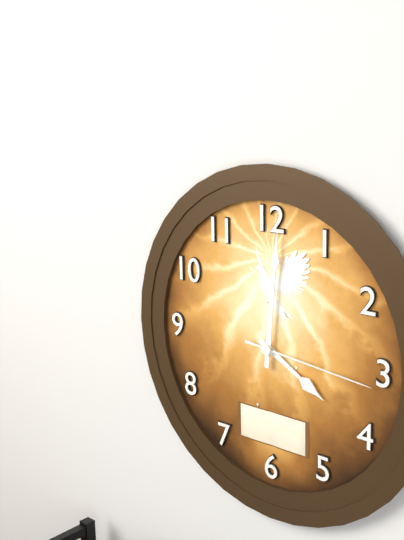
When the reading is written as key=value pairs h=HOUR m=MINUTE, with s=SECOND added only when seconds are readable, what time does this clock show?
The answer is h=4 m=1 s=16
